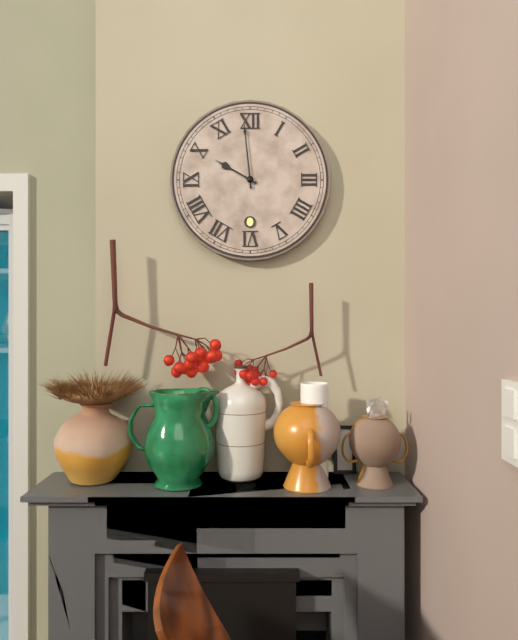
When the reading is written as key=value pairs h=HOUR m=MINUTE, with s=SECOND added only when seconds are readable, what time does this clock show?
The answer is h=9 m=59
